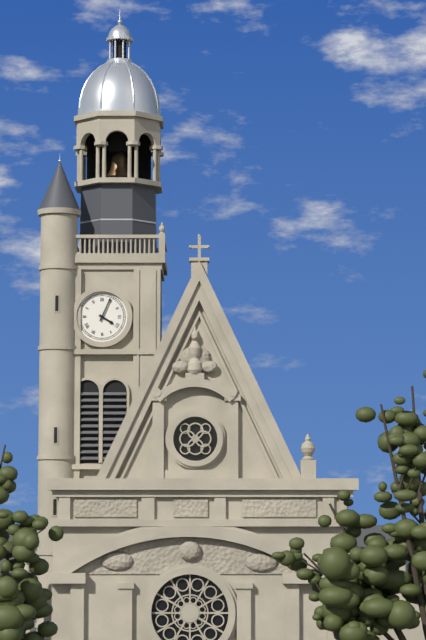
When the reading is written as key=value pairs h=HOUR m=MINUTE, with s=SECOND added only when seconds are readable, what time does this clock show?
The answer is h=4 m=4
